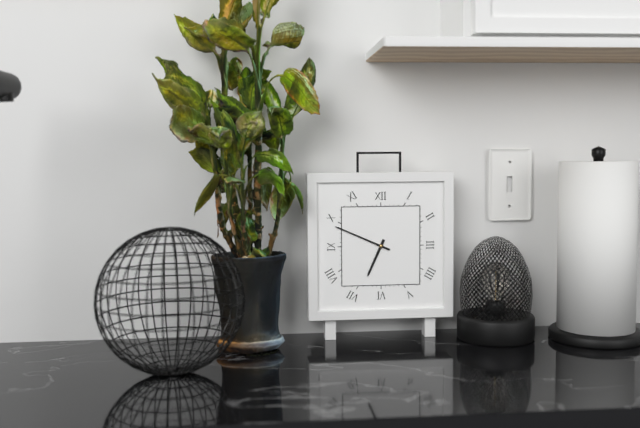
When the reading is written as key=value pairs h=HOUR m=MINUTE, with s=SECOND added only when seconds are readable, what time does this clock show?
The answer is h=6 m=49
